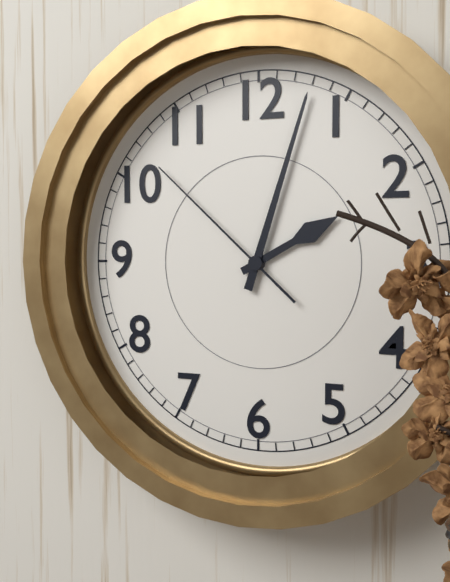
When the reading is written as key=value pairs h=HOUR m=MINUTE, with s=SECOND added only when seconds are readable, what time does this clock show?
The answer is h=2 m=3 s=52
